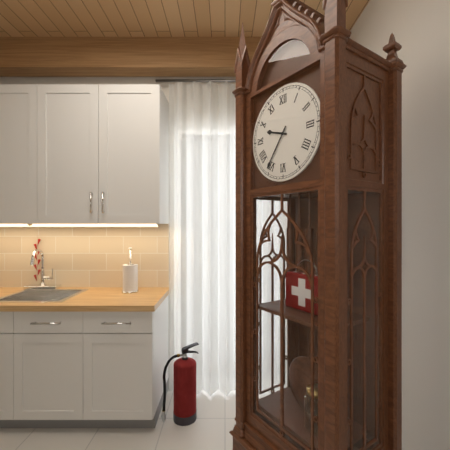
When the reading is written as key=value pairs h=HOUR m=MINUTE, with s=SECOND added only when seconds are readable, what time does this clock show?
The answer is h=9 m=36
